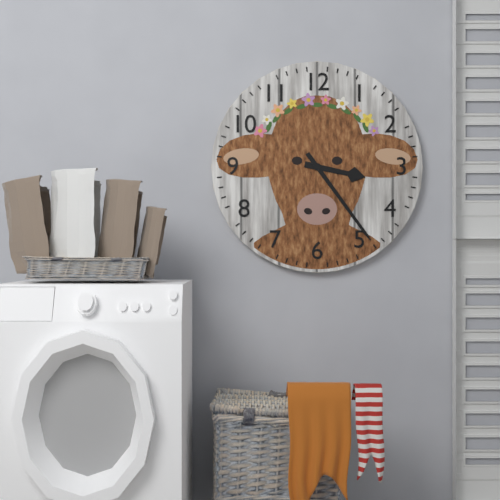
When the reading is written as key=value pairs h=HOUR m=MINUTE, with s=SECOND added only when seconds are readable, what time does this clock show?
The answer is h=3 m=24
